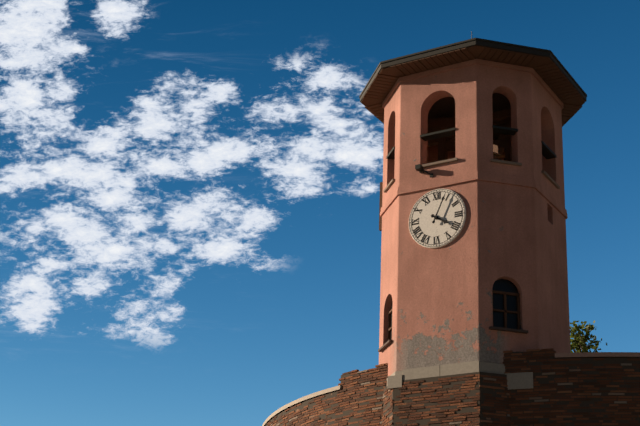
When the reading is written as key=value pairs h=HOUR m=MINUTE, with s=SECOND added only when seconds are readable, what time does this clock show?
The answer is h=4 m=4
